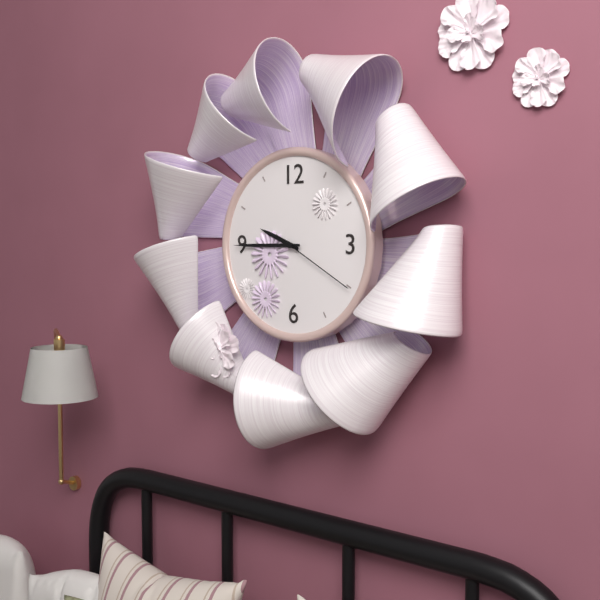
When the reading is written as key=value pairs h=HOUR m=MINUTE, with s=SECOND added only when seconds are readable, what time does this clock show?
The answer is h=9 m=45 s=20
